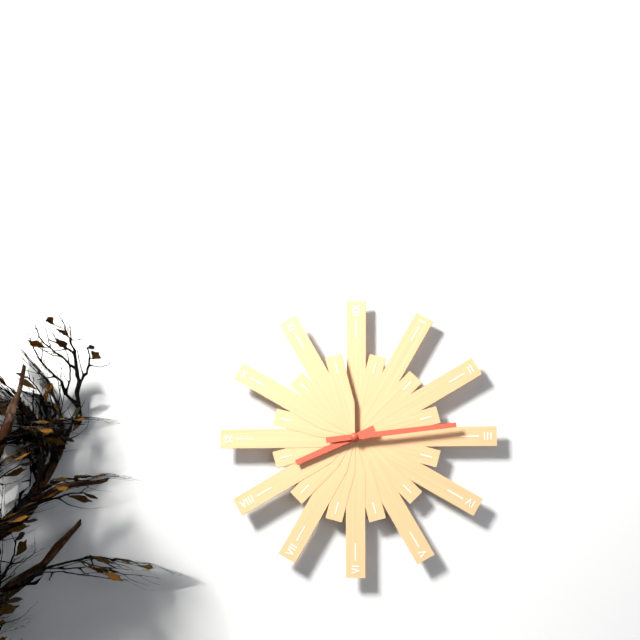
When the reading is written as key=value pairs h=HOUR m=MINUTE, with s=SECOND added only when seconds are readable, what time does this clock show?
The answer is h=8 m=14
